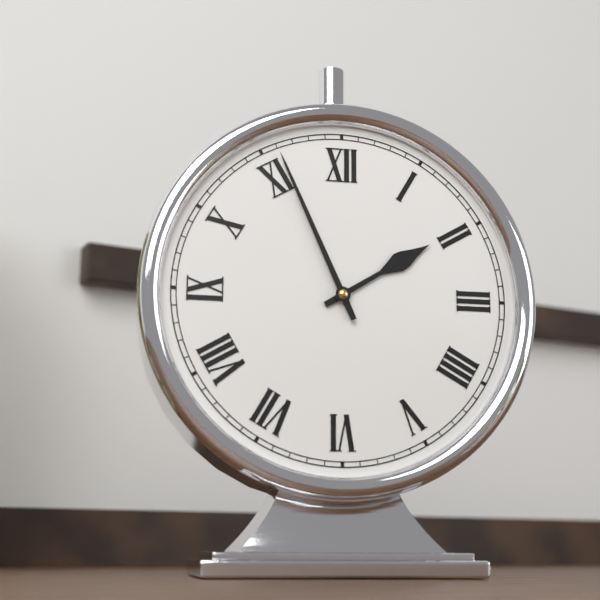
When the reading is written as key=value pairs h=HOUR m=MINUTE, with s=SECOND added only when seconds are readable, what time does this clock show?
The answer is h=1 m=56
